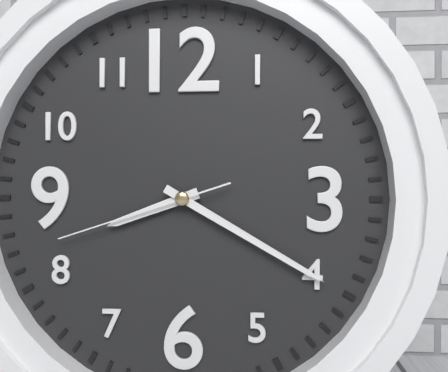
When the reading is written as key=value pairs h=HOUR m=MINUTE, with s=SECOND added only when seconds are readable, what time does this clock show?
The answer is h=8 m=20 s=42
